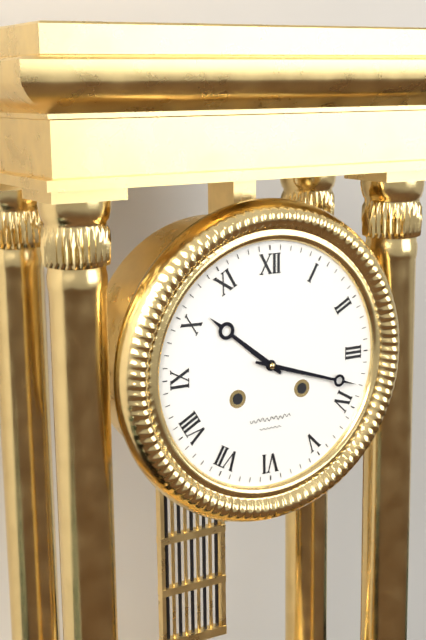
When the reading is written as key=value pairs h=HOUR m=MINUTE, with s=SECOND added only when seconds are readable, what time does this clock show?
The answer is h=10 m=18
